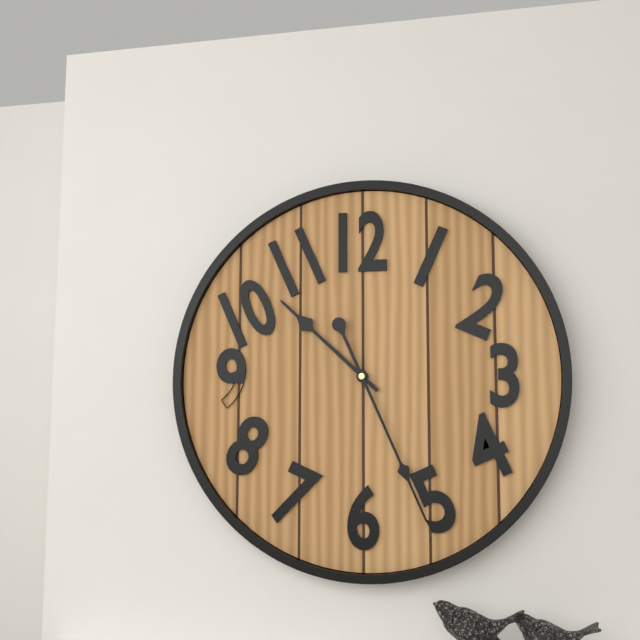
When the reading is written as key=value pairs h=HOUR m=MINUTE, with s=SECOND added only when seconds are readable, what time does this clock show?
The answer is h=10 m=26
